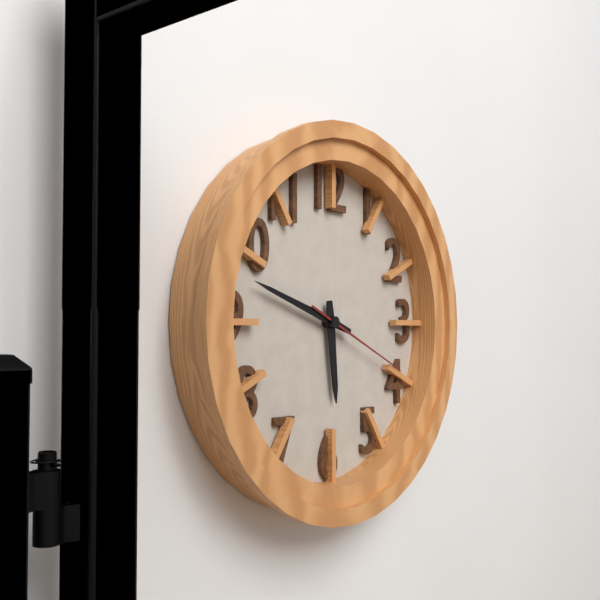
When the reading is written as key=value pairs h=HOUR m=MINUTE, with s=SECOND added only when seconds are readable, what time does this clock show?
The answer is h=5 m=48 s=19
